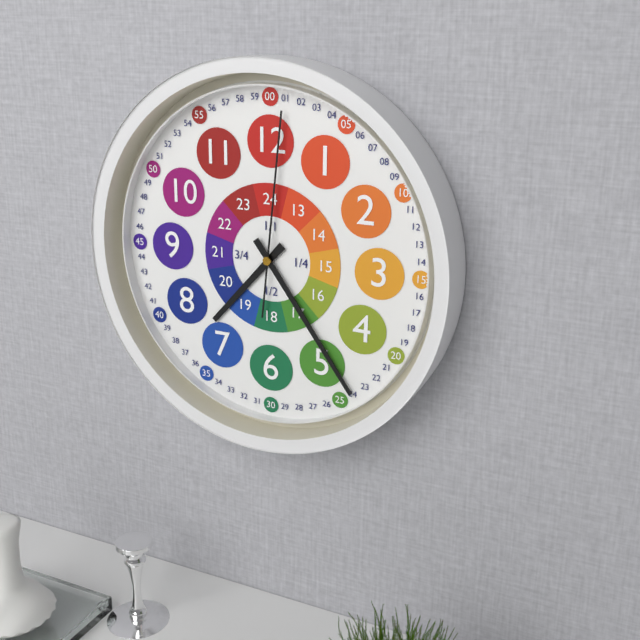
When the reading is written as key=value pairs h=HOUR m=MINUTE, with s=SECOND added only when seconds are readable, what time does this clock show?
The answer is h=7 m=24 s=1
